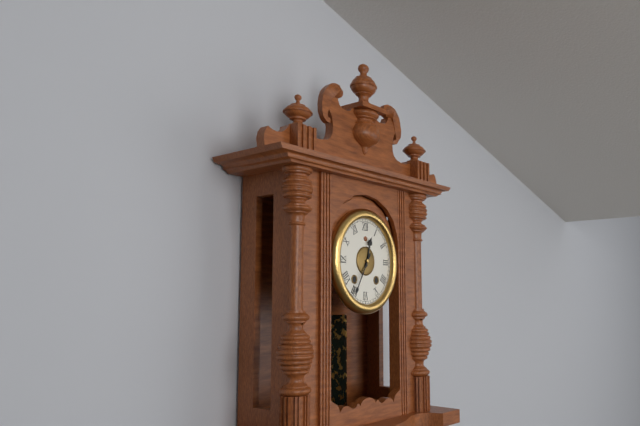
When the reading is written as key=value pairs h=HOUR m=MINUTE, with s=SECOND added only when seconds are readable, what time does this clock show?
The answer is h=12 m=35
